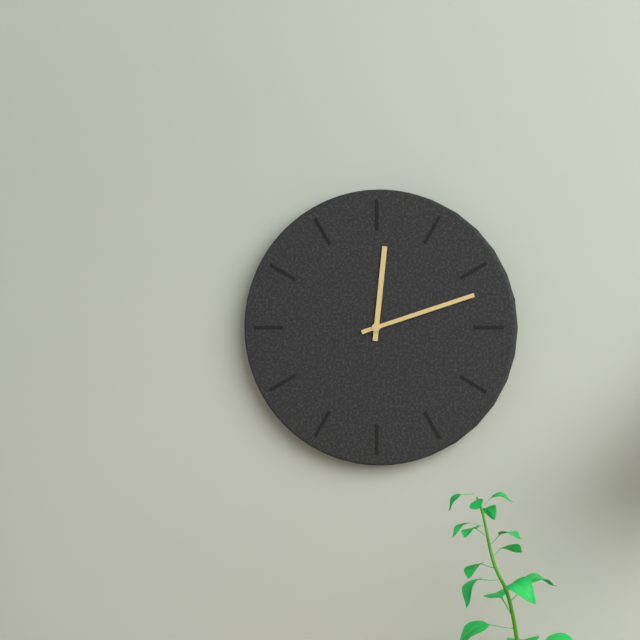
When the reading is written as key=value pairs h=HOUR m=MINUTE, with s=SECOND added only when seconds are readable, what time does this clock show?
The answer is h=12 m=12
